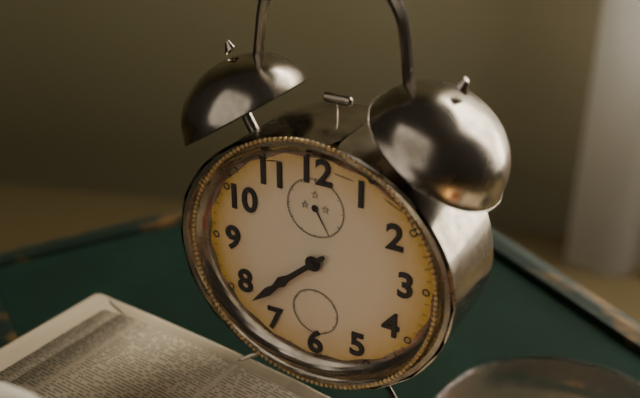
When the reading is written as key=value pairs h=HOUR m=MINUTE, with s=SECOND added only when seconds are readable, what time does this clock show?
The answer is h=7 m=38
